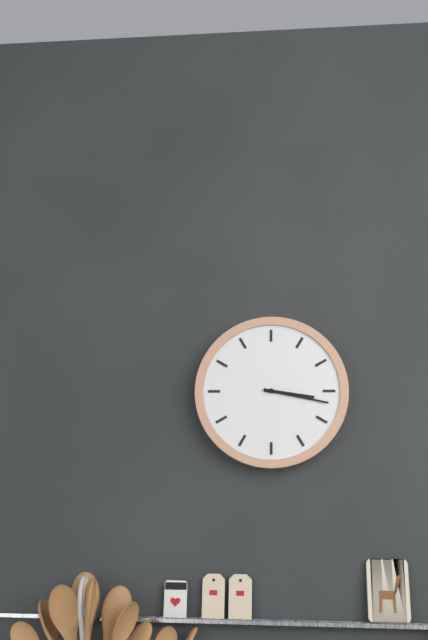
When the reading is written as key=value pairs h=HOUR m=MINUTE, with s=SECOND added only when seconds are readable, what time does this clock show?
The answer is h=3 m=17
